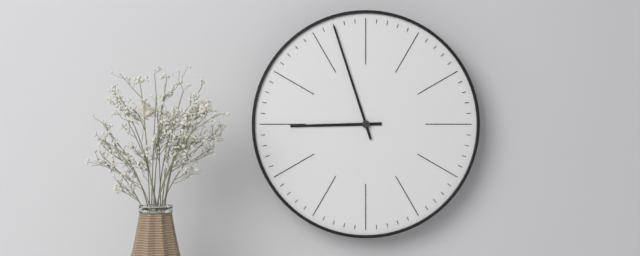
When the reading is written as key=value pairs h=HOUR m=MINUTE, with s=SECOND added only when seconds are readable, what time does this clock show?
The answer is h=8 m=57
